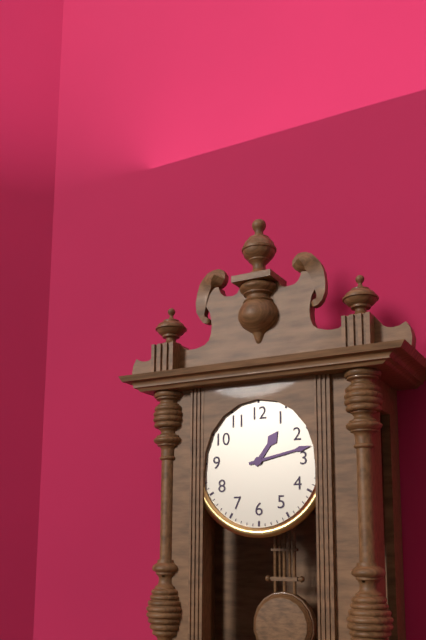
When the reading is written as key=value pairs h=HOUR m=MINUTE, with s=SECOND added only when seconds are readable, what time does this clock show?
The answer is h=1 m=13
